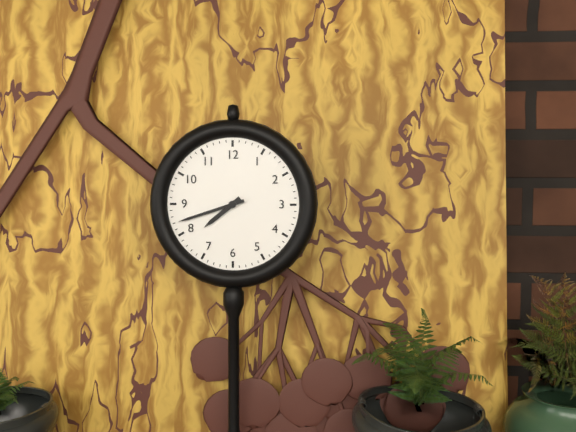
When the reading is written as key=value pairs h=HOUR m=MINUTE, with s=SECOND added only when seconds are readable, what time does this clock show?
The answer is h=7 m=42
